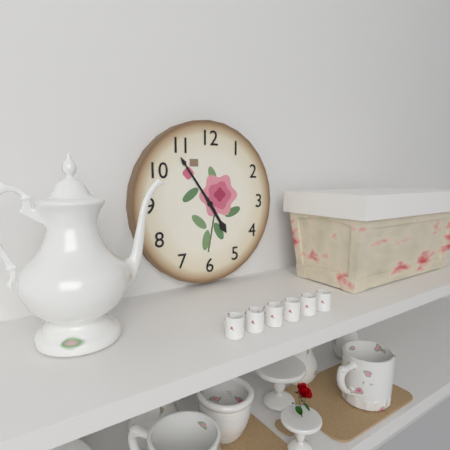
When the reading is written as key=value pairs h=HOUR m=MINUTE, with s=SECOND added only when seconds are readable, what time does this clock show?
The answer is h=4 m=54
